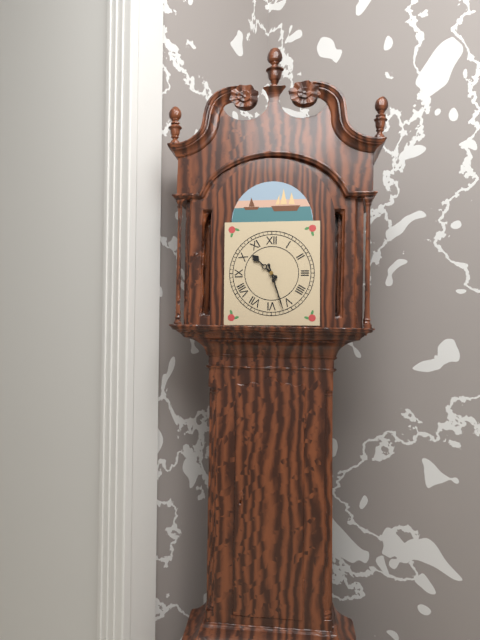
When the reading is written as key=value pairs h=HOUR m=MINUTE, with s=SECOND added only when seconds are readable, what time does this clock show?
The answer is h=10 m=27
